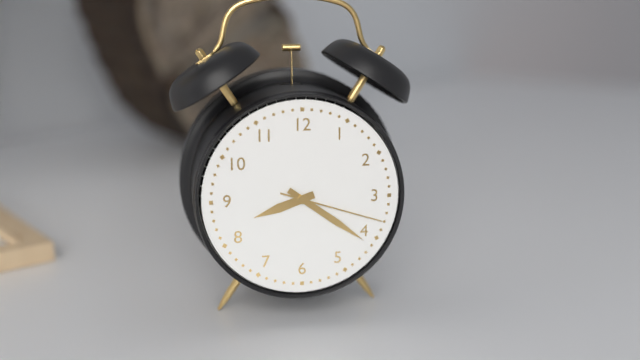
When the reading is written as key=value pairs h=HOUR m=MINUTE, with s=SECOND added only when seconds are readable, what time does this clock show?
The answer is h=8 m=21 s=18
